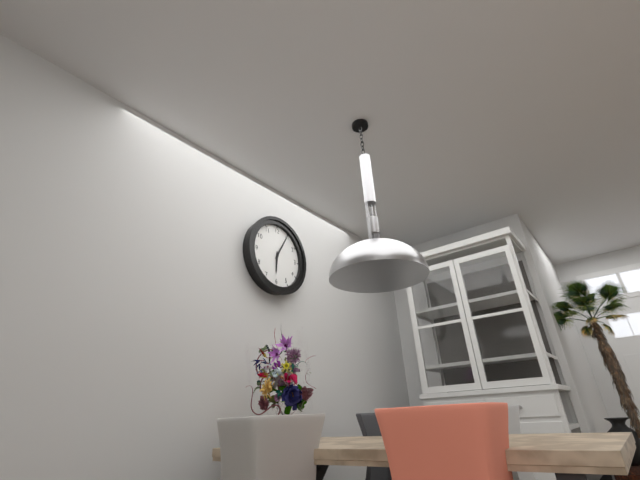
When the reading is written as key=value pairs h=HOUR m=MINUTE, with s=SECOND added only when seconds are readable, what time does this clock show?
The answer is h=6 m=5
